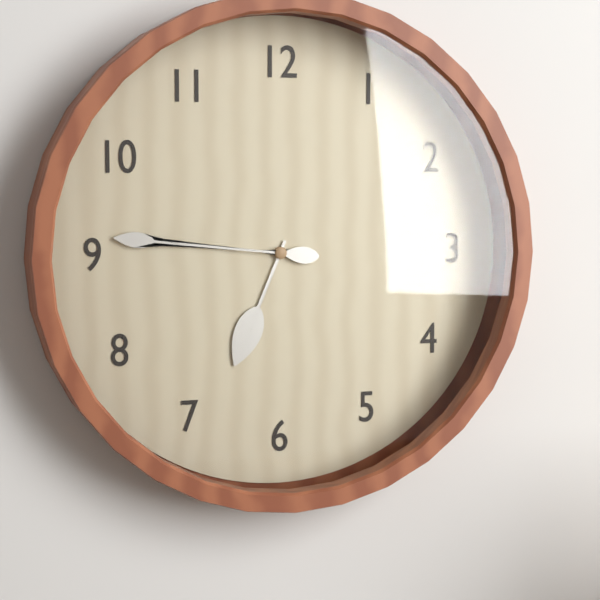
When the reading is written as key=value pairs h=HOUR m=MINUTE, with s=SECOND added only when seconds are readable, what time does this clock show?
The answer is h=6 m=46
